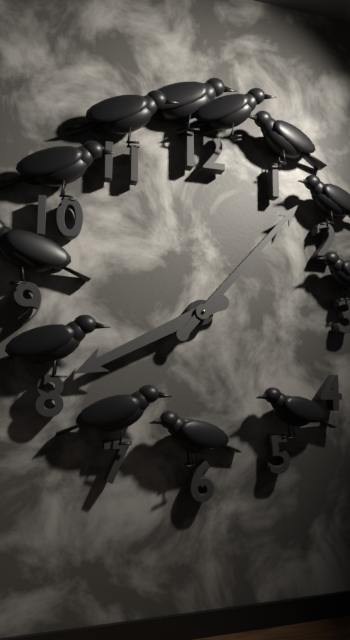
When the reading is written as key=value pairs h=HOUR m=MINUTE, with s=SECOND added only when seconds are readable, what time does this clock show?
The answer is h=8 m=7
